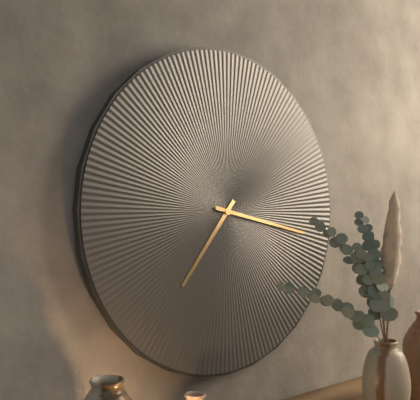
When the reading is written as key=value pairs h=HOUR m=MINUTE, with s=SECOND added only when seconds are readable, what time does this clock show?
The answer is h=7 m=17
